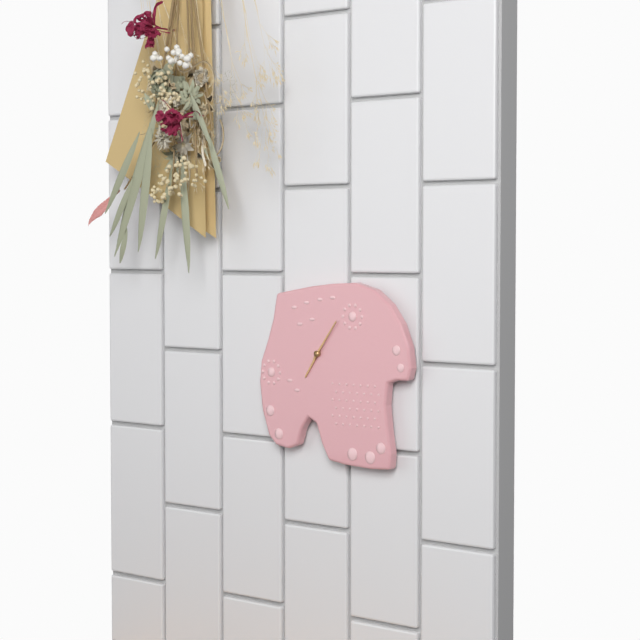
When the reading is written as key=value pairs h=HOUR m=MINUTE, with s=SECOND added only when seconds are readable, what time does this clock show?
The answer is h=7 m=6
